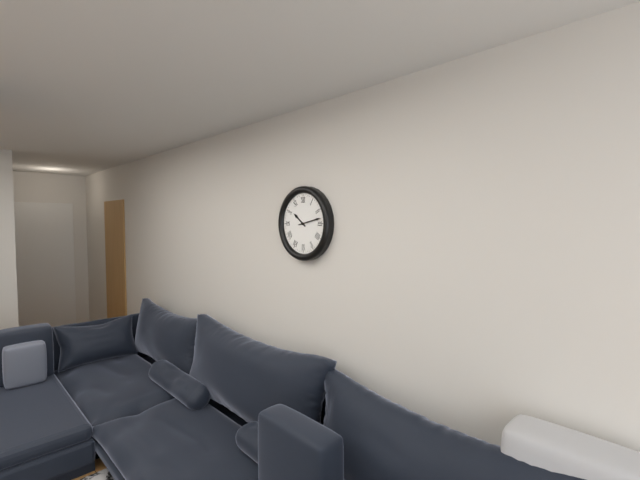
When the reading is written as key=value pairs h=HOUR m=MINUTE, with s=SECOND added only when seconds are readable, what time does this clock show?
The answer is h=10 m=13
